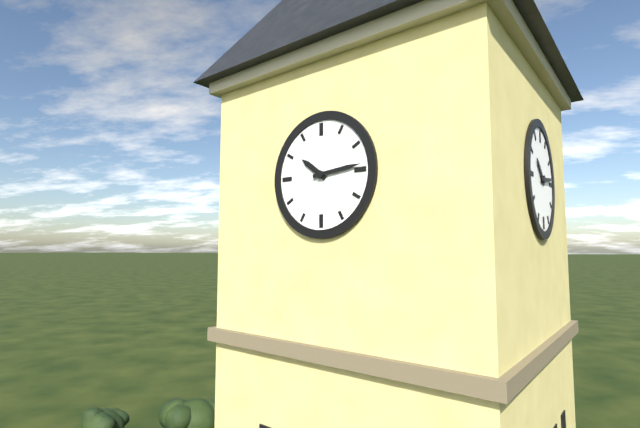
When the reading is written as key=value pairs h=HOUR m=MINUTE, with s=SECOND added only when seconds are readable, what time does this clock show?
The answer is h=10 m=14
